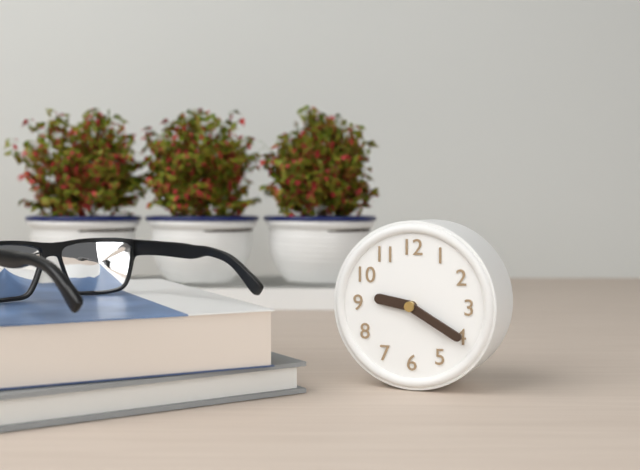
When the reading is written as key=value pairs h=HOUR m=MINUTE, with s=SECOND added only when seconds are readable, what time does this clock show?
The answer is h=9 m=20
